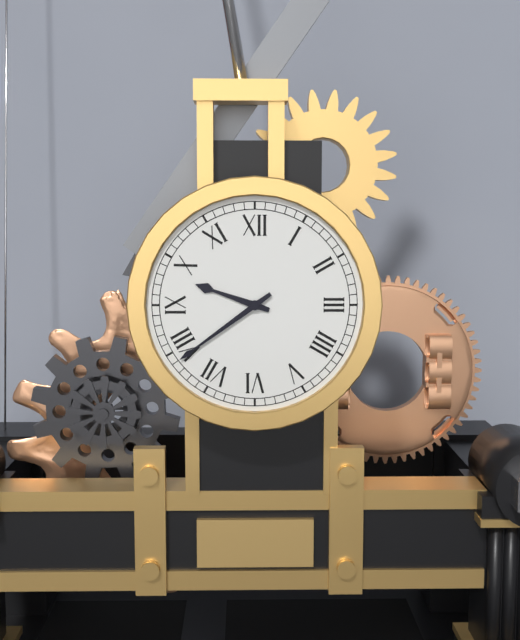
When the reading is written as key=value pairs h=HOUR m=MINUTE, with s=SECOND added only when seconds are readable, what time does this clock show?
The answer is h=9 m=39
